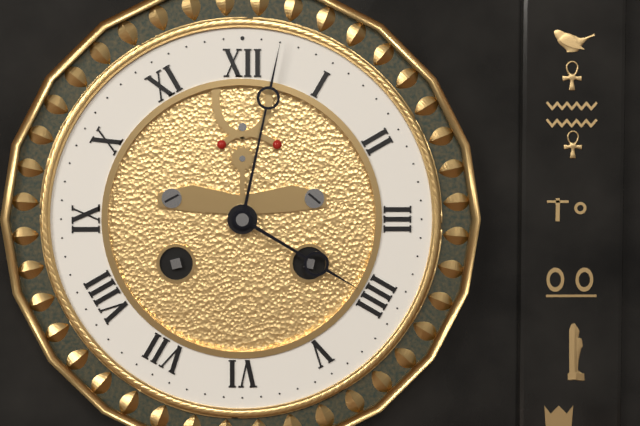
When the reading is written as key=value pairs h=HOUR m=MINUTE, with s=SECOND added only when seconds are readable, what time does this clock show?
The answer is h=4 m=2
